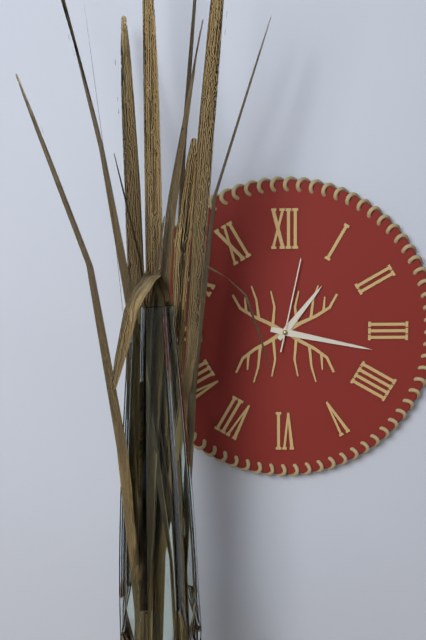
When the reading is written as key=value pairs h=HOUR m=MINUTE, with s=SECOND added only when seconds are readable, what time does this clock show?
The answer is h=1 m=17 s=2
